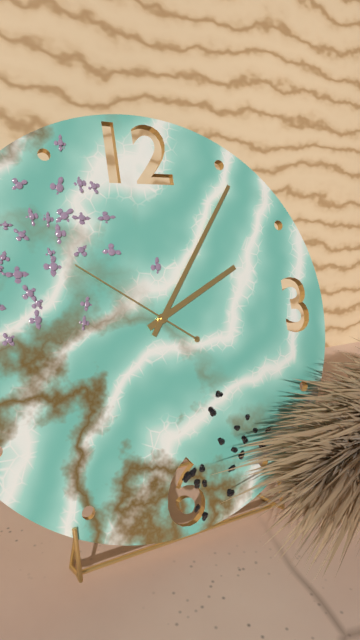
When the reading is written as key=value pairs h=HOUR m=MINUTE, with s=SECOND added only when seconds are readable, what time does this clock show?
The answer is h=2 m=6 s=51
